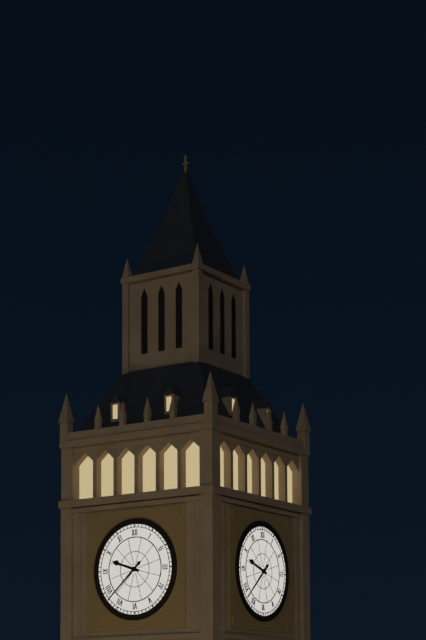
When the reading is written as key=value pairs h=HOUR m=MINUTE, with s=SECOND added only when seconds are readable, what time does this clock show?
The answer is h=9 m=38
